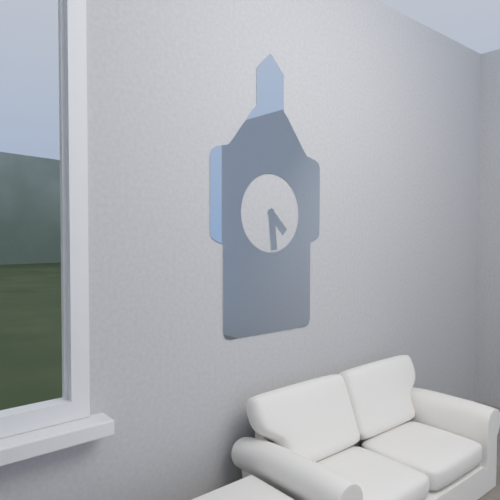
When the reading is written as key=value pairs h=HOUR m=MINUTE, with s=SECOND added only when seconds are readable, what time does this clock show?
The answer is h=4 m=29
